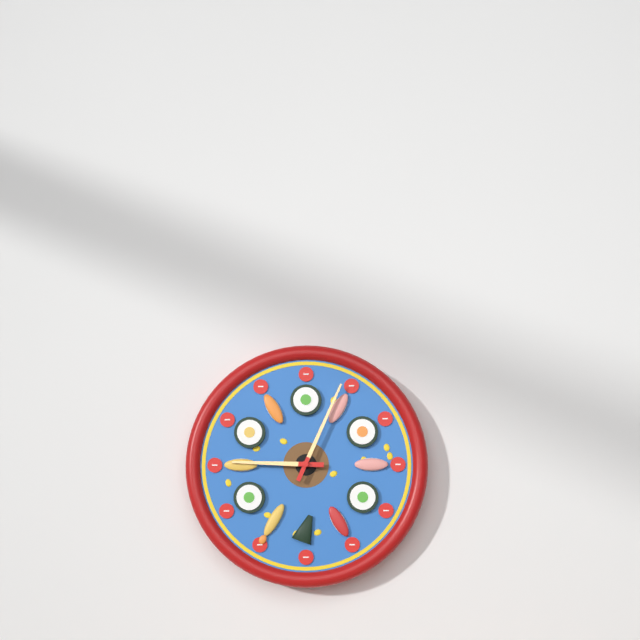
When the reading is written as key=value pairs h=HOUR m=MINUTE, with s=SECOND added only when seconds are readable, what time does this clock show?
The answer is h=9 m=4
